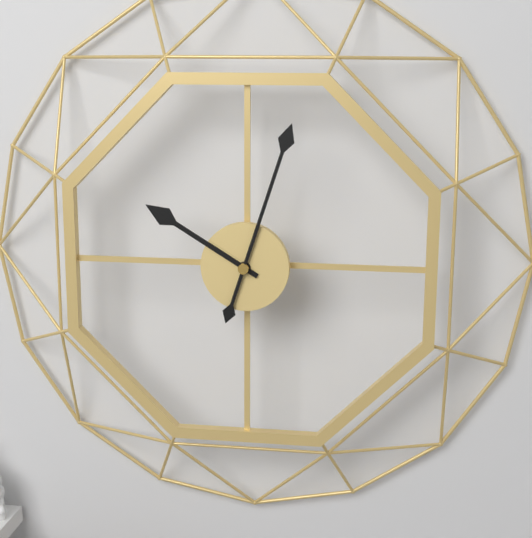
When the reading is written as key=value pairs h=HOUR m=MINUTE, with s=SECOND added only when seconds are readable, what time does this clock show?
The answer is h=10 m=3
